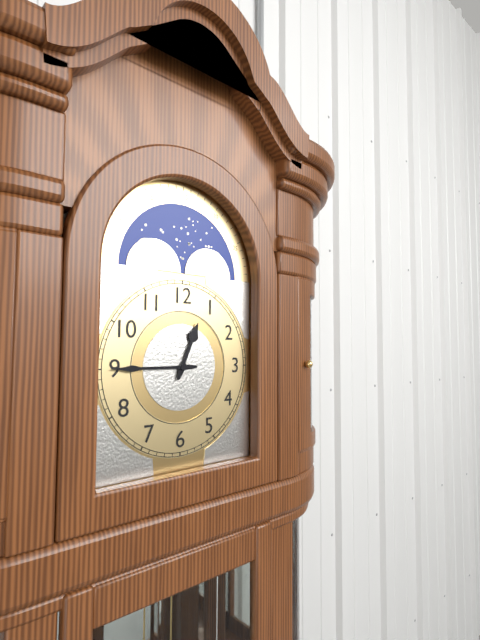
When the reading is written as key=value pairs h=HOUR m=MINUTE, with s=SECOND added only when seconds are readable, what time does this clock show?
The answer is h=12 m=45
